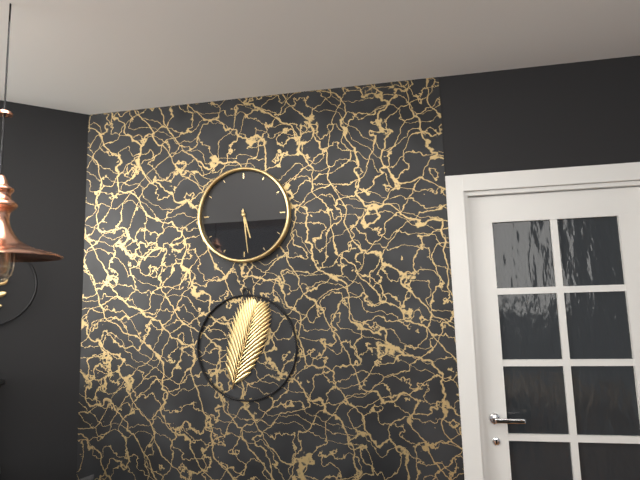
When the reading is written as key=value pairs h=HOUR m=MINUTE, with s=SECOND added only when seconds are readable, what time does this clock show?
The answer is h=5 m=29
